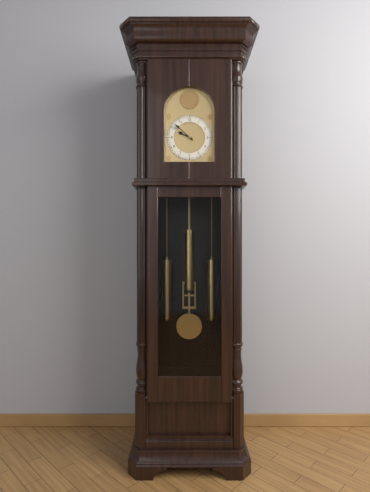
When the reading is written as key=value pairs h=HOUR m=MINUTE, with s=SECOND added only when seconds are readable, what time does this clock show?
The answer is h=9 m=52
